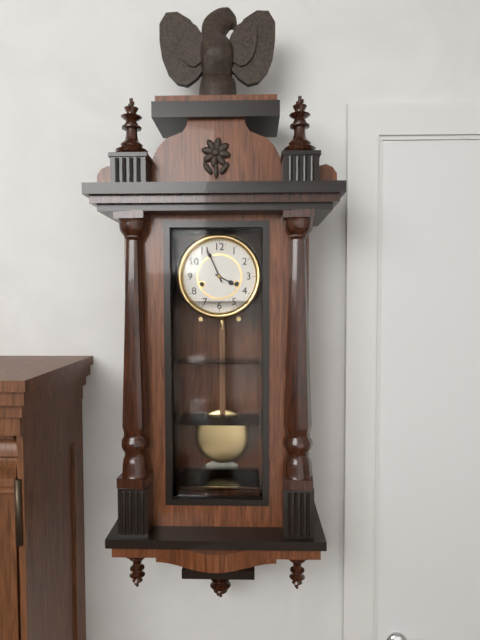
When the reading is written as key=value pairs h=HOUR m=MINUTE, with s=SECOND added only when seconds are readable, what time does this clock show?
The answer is h=3 m=56
